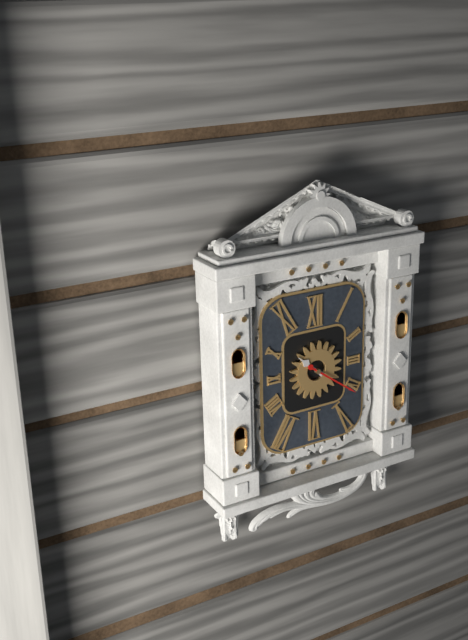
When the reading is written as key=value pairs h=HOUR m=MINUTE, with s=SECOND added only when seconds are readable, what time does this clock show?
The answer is h=10 m=21
